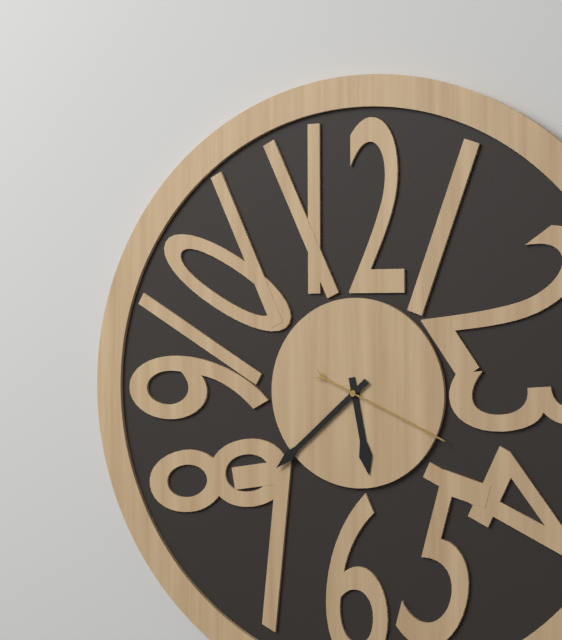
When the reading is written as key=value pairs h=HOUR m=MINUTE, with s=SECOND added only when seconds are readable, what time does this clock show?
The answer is h=5 m=38 s=19
